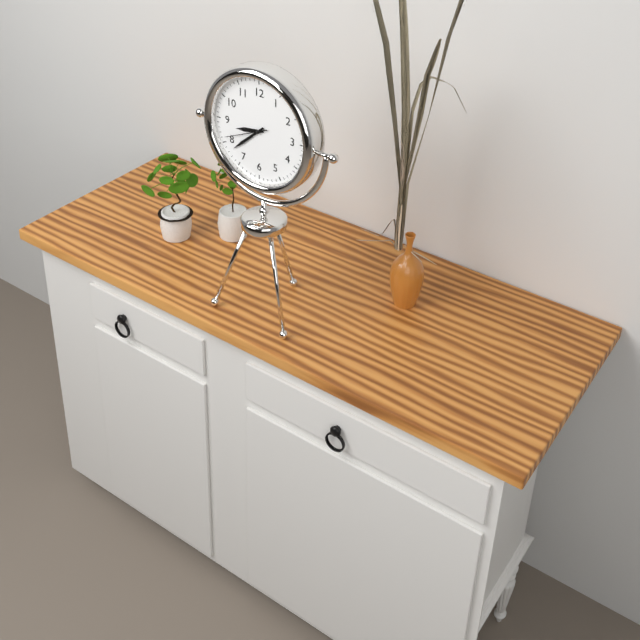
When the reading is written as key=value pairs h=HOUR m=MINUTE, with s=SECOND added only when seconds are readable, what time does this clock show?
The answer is h=8 m=38
